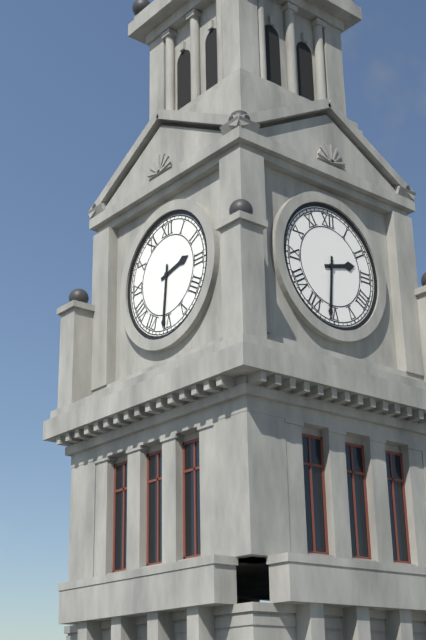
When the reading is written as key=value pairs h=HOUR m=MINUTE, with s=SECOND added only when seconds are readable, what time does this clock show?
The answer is h=2 m=31
